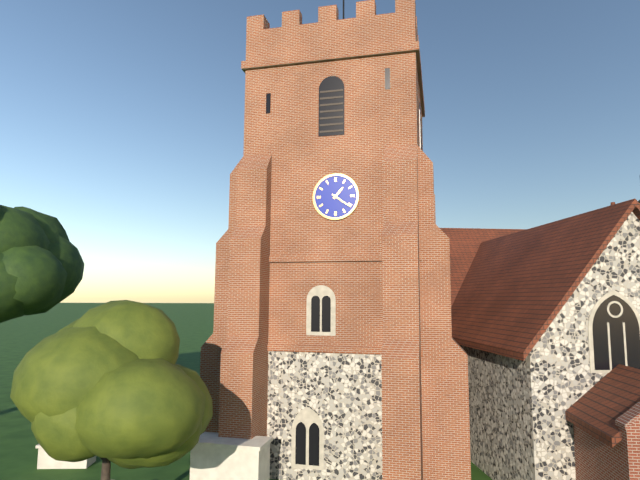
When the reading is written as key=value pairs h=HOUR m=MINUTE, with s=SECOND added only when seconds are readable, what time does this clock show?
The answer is h=1 m=21
